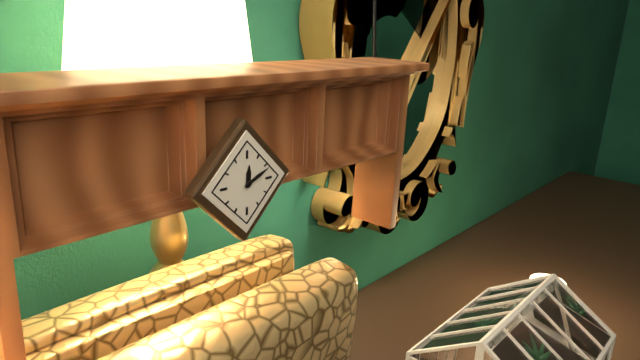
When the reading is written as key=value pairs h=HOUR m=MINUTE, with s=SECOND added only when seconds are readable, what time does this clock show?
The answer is h=12 m=11
